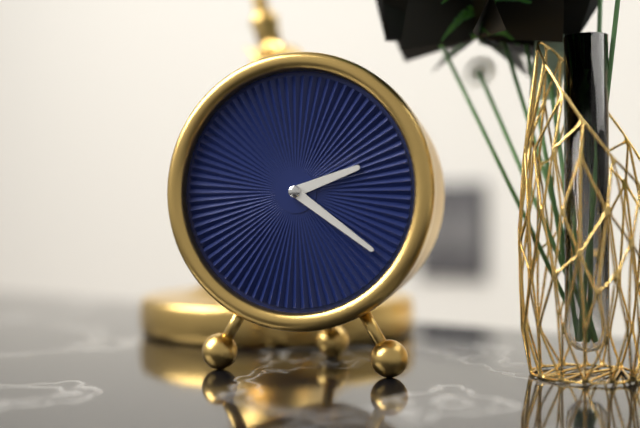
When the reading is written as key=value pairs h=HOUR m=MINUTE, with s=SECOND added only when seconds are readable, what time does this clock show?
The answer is h=2 m=21
